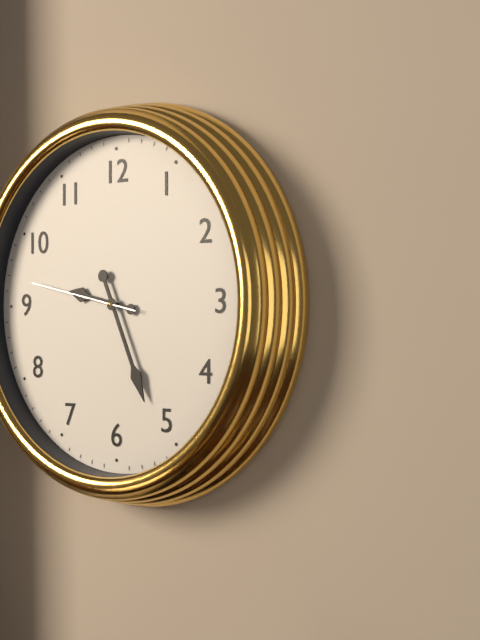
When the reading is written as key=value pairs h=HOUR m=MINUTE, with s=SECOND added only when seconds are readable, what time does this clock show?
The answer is h=9 m=26 s=47
